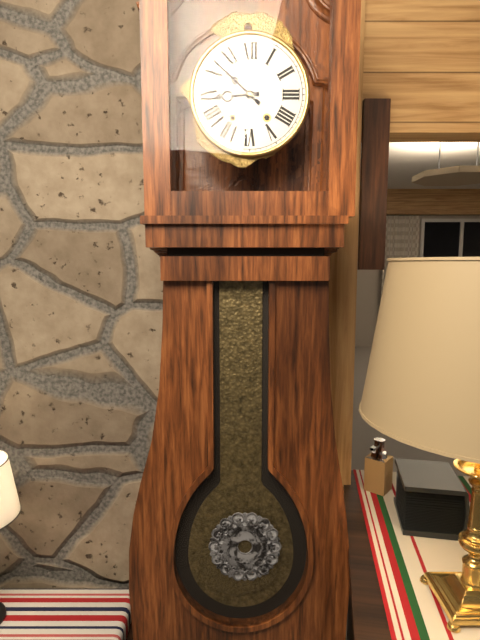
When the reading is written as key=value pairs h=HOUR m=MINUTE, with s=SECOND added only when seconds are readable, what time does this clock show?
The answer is h=8 m=52
